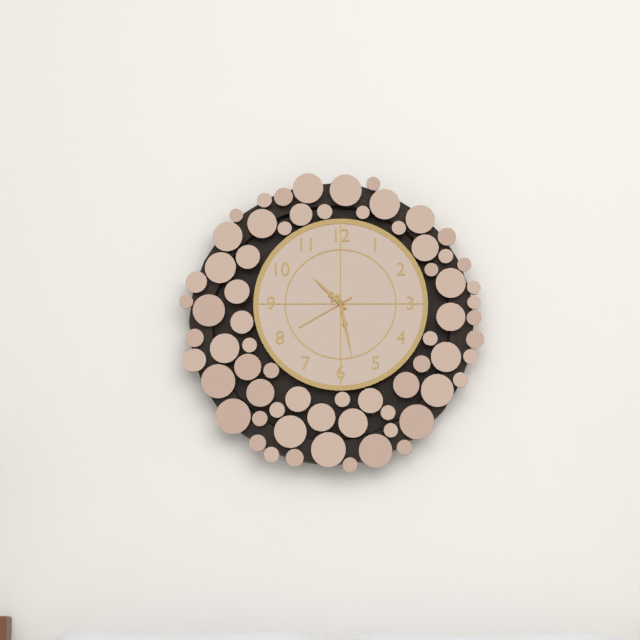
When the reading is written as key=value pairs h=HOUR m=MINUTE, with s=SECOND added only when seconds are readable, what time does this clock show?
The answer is h=10 m=28 s=40
